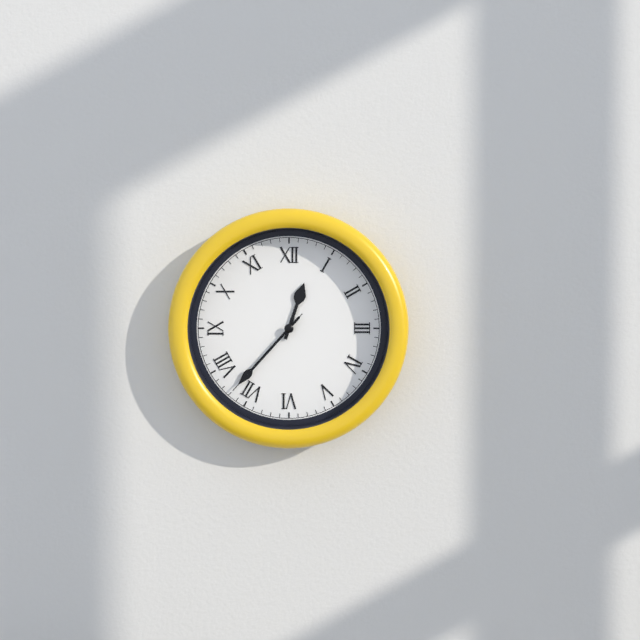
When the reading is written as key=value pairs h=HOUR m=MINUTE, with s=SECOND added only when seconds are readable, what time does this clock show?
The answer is h=12 m=37 s=37
